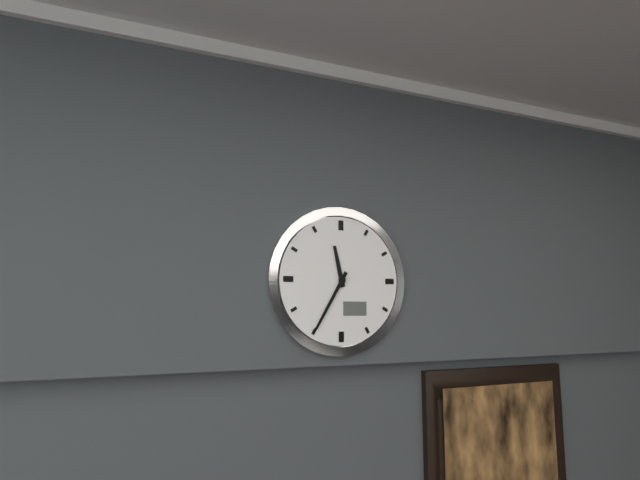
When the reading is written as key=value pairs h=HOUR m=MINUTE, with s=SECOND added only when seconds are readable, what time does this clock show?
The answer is h=11 m=35
